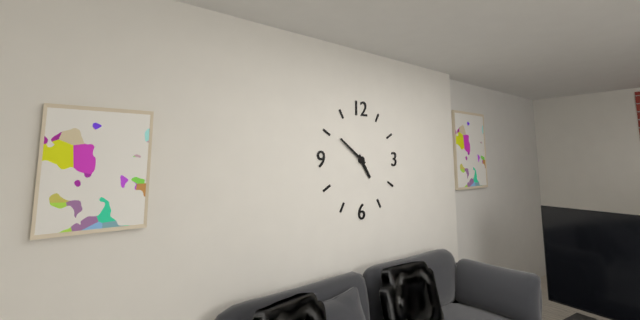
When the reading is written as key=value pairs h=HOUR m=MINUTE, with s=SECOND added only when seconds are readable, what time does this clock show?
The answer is h=4 m=51
